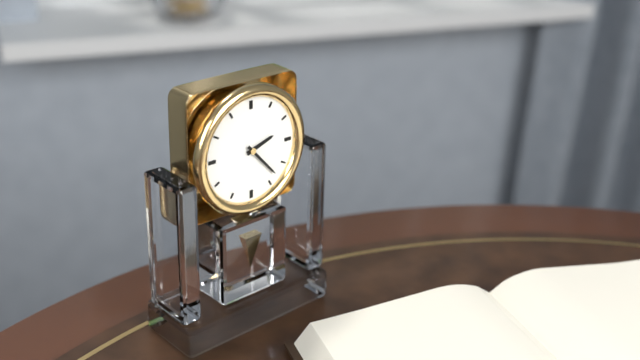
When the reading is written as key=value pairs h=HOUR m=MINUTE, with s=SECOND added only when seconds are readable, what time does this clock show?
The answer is h=2 m=23
